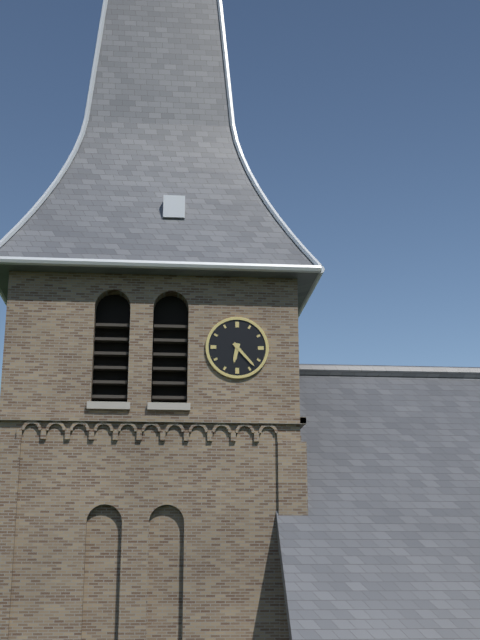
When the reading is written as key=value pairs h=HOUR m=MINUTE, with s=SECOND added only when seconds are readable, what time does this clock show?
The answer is h=6 m=23
